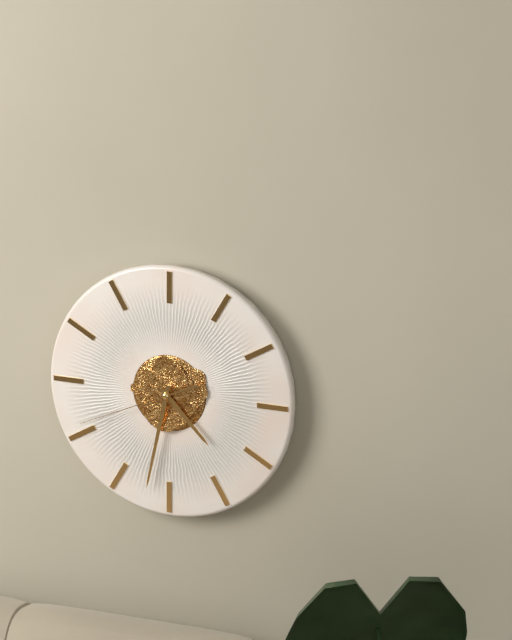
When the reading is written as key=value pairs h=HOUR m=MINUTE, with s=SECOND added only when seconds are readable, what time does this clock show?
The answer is h=4 m=32 s=41
